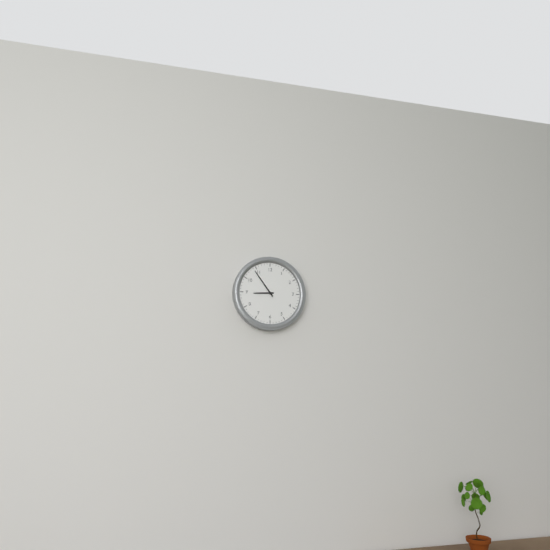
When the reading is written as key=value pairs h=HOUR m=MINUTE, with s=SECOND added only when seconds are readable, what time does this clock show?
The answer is h=8 m=54
